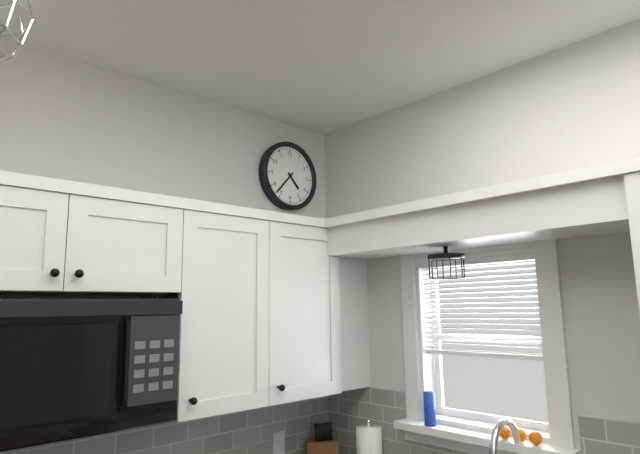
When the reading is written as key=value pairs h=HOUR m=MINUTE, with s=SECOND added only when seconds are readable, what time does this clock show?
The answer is h=4 m=37
